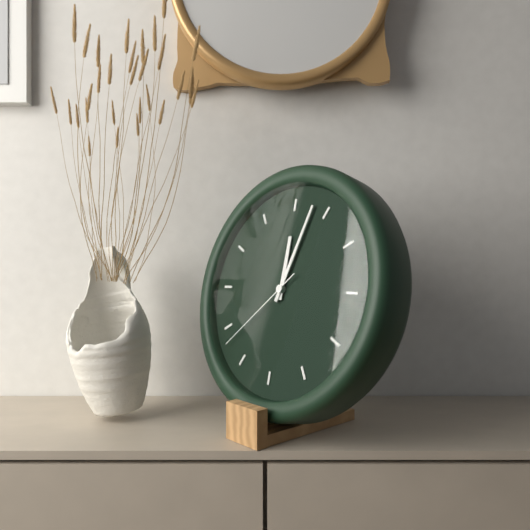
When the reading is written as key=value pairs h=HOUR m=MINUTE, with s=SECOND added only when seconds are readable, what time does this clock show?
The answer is h=12 m=3 s=38
